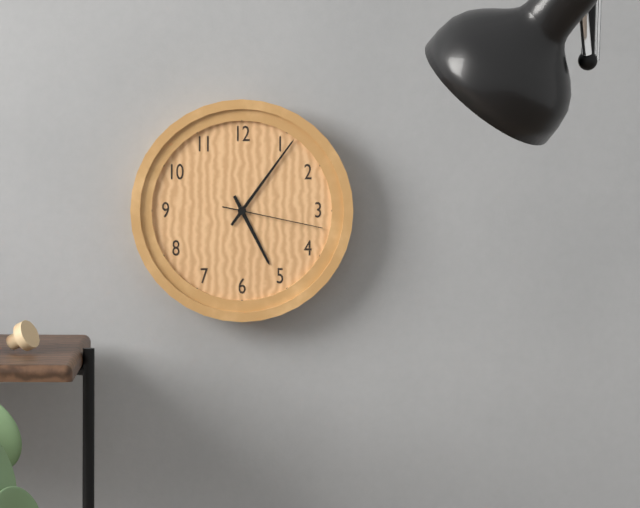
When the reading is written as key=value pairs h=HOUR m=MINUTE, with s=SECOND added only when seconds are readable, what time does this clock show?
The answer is h=5 m=6 s=17
